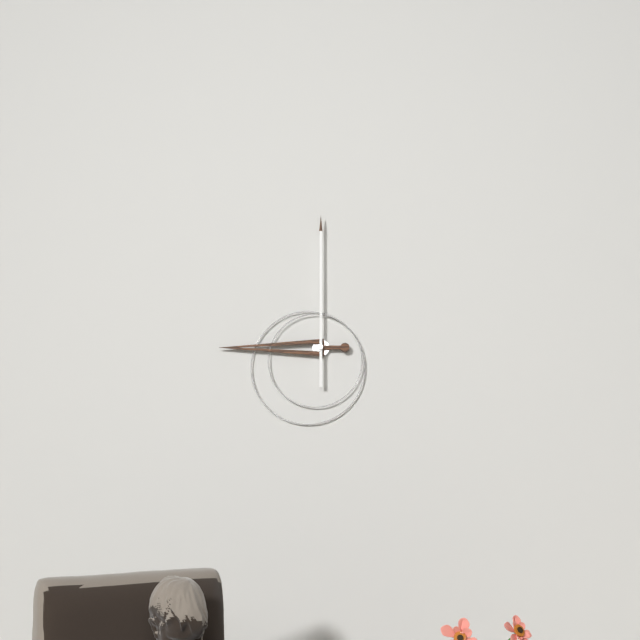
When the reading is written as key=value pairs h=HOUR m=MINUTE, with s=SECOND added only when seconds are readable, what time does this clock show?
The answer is h=9 m=0
